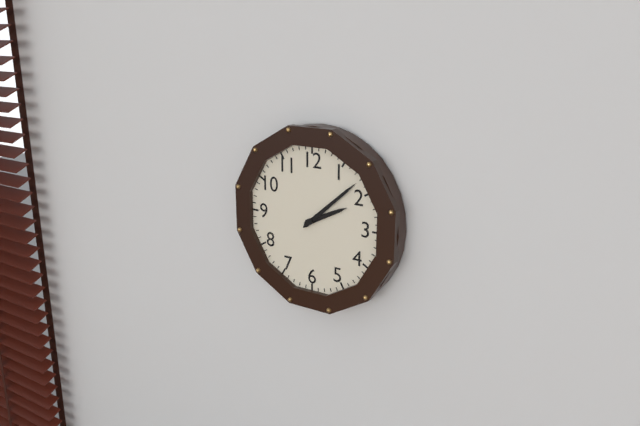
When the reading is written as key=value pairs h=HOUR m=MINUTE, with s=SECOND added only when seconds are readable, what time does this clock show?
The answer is h=2 m=8
